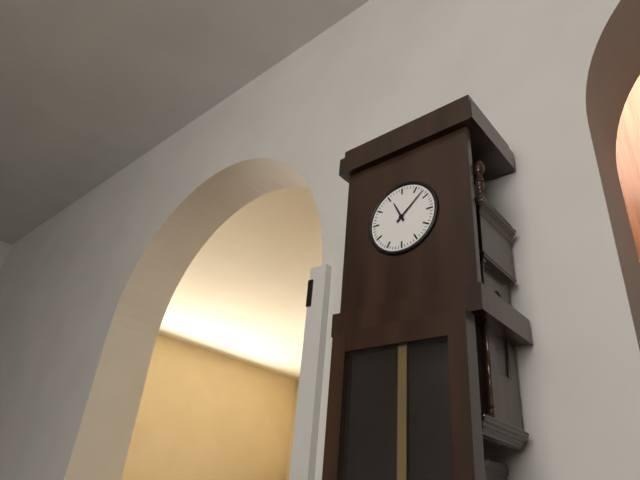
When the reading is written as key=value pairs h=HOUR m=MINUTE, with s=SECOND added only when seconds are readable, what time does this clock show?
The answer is h=11 m=8
